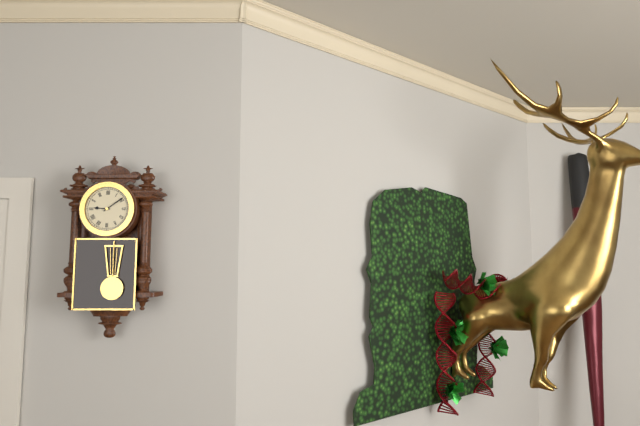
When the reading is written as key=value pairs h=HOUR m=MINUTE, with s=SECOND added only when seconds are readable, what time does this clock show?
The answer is h=9 m=9
